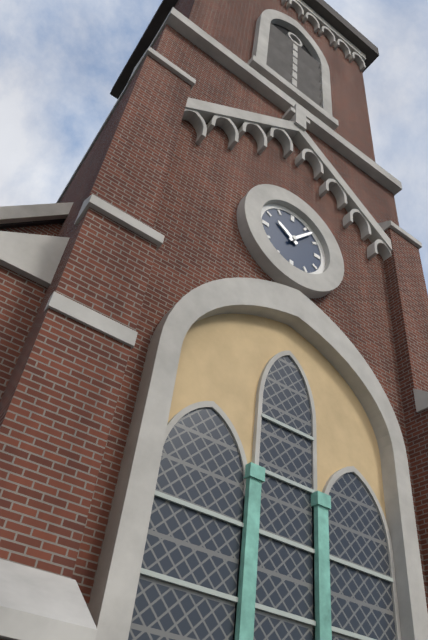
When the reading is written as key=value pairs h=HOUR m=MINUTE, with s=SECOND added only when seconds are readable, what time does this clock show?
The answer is h=10 m=7
